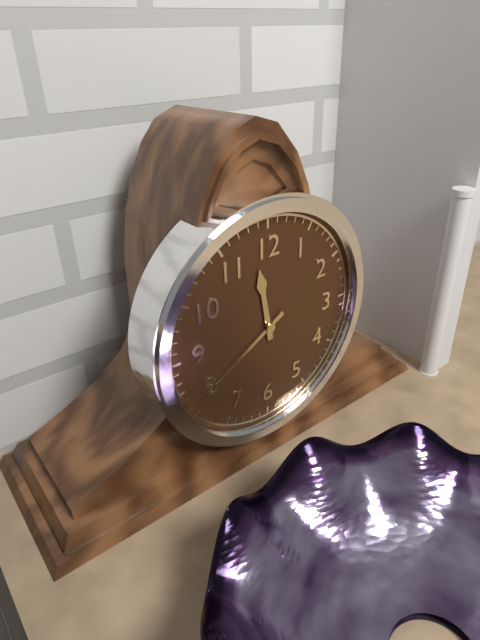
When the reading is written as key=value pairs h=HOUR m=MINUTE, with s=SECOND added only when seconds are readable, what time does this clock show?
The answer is h=11 m=40
